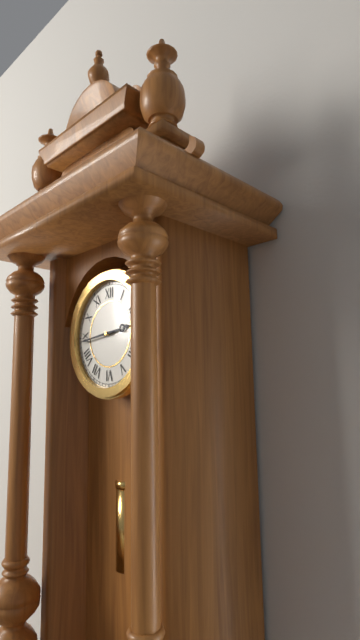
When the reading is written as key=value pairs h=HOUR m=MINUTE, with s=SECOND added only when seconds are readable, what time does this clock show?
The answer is h=2 m=44
